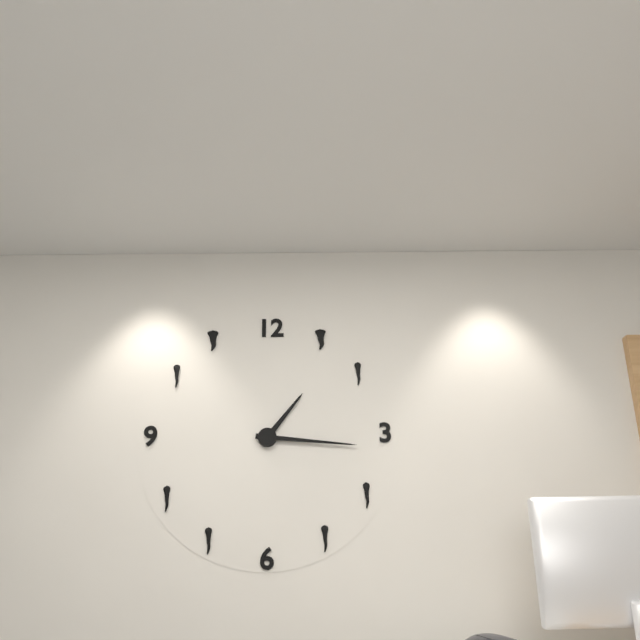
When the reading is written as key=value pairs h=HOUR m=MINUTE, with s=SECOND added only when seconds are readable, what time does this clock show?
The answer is h=1 m=16
